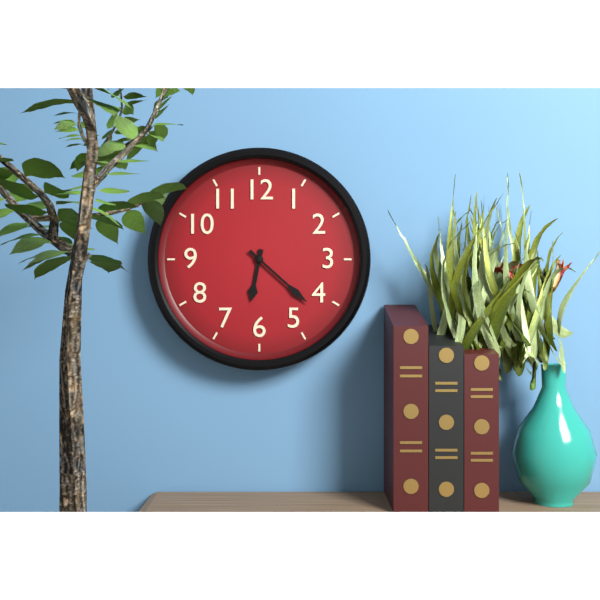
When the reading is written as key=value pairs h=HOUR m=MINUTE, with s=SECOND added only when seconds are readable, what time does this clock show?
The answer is h=6 m=22
